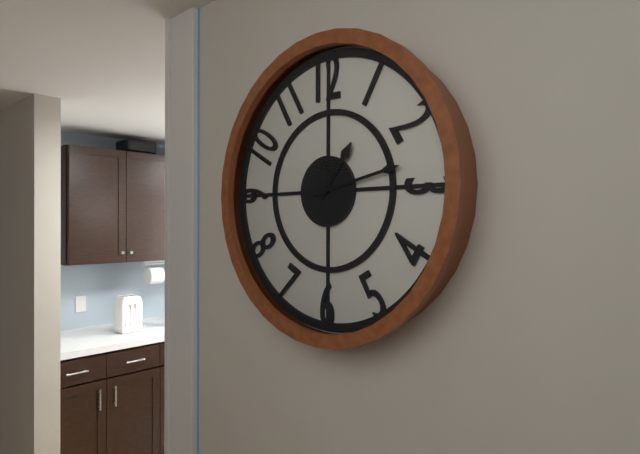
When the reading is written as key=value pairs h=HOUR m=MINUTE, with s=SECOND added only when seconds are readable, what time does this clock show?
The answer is h=1 m=13
